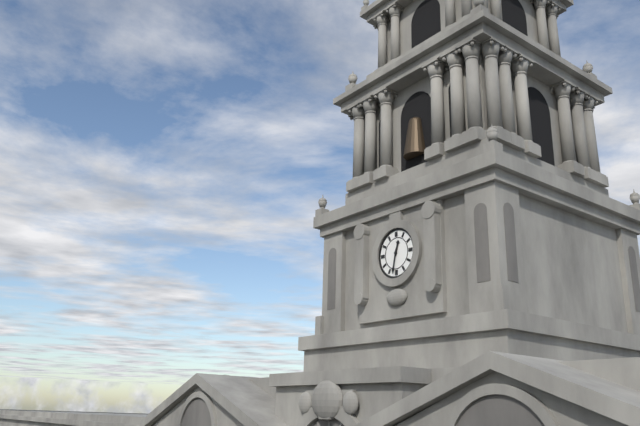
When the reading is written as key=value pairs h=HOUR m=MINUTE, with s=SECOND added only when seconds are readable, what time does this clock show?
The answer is h=12 m=32
